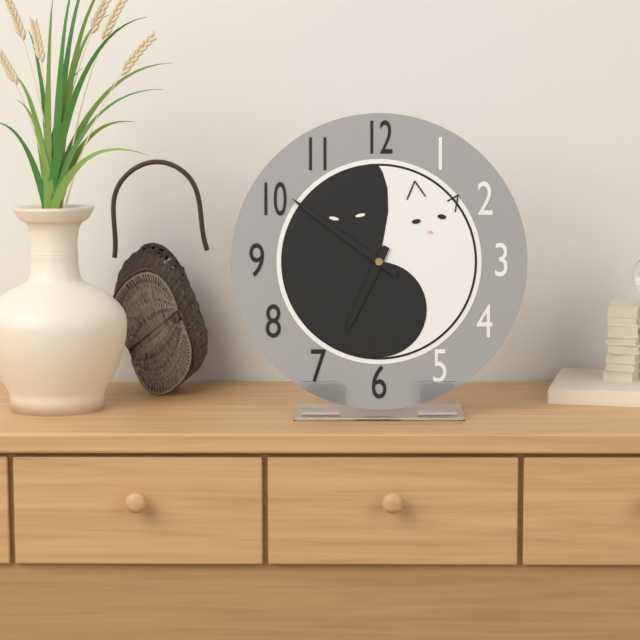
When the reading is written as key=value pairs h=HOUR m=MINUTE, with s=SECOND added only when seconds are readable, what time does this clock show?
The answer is h=6 m=51
